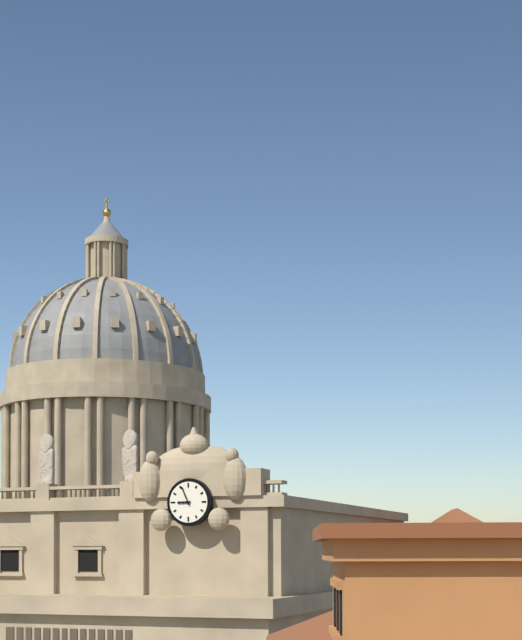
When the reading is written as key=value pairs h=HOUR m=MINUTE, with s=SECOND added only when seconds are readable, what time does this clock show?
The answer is h=8 m=56
